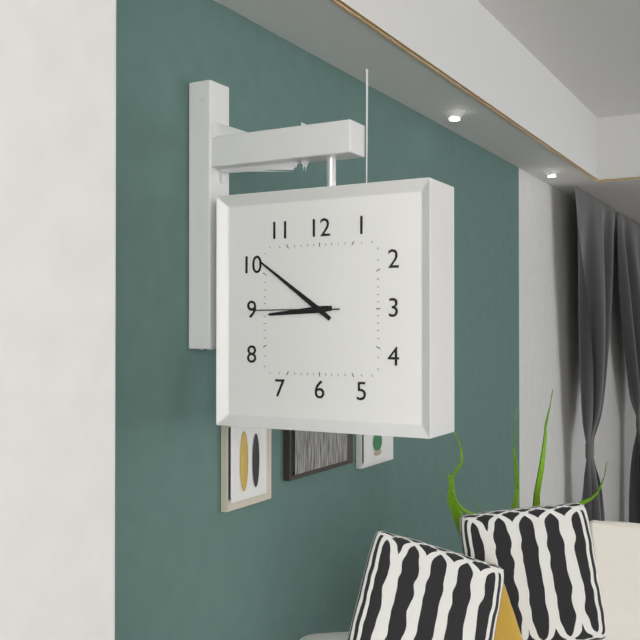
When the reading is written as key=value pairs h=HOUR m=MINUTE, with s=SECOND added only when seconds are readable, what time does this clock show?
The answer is h=8 m=51 s=45
